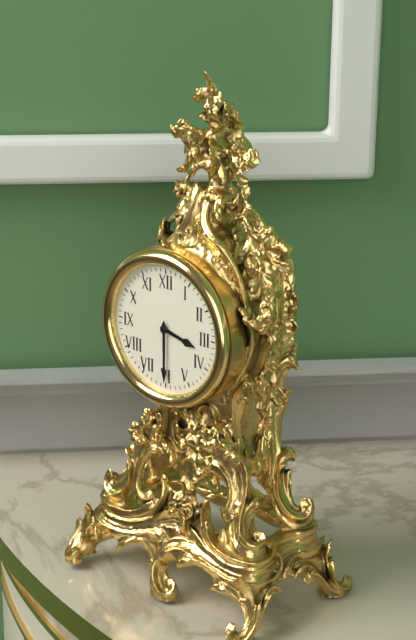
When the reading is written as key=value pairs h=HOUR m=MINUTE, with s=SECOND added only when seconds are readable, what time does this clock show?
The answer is h=3 m=30
